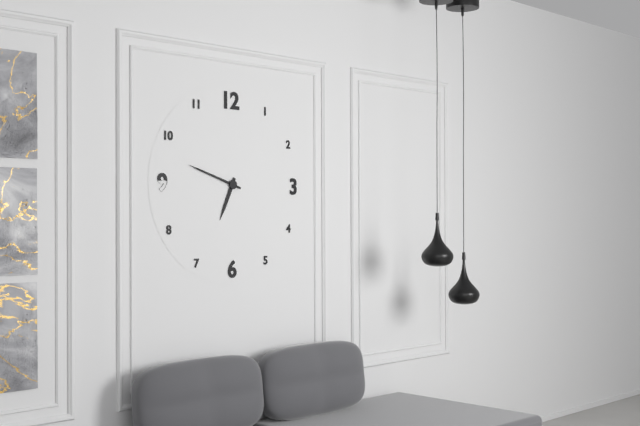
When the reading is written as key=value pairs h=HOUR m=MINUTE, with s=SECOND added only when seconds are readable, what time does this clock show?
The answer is h=6 m=48
